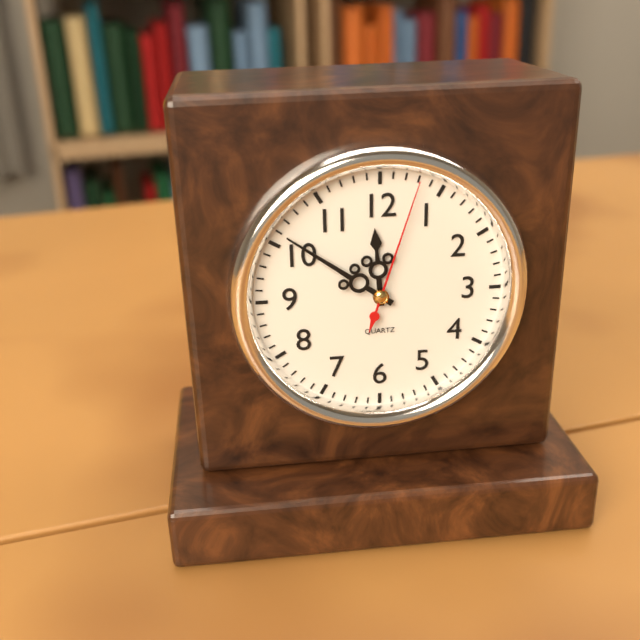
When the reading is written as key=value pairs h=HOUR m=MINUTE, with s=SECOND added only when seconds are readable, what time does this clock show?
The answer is h=11 m=51 s=3
